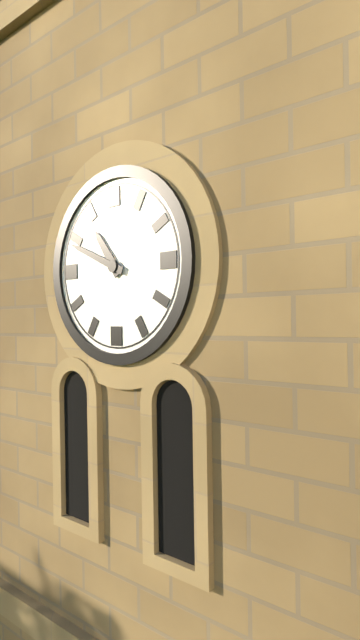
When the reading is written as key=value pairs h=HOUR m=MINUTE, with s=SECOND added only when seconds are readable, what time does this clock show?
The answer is h=10 m=49
